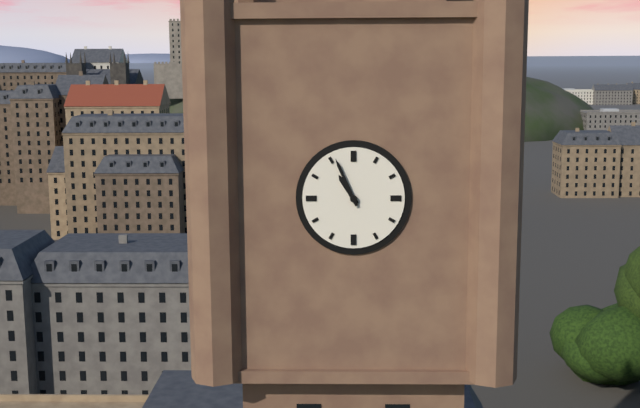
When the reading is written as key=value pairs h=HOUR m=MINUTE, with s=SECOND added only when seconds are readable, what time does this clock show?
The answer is h=10 m=56
